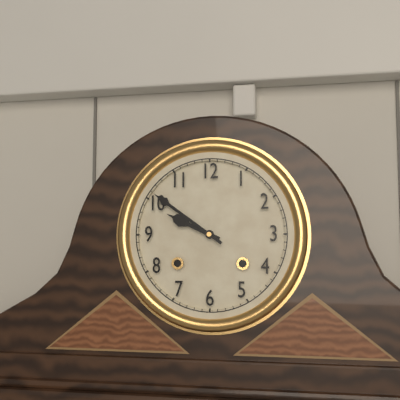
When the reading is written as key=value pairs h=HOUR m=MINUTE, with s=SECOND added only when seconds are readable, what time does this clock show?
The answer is h=9 m=51
